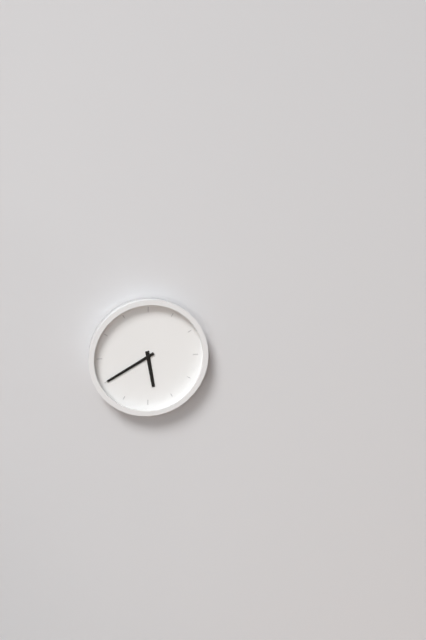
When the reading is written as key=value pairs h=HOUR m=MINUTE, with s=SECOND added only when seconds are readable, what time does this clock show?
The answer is h=5 m=40
